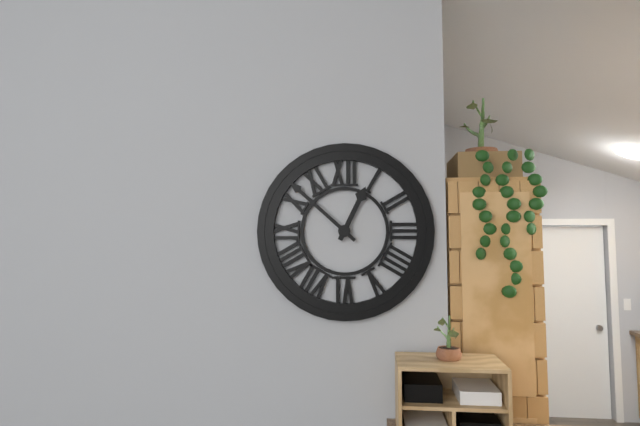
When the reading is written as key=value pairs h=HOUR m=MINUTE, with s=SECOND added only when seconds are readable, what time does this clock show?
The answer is h=12 m=52
